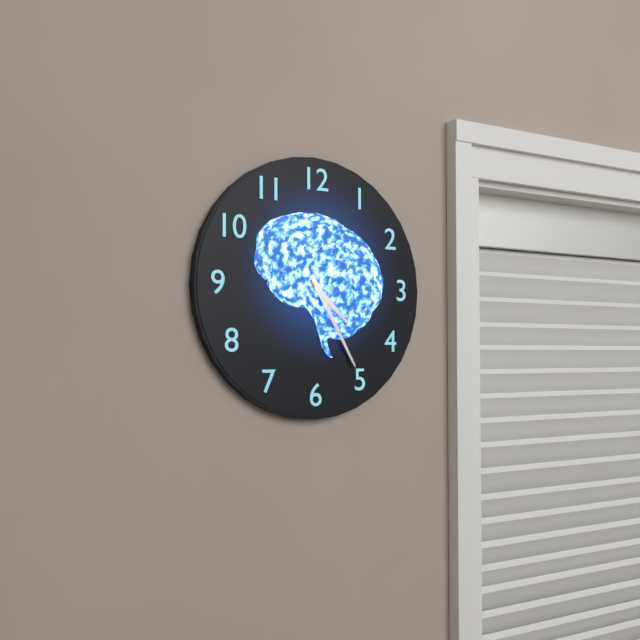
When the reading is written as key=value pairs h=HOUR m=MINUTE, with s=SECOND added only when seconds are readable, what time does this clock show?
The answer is h=4 m=25
